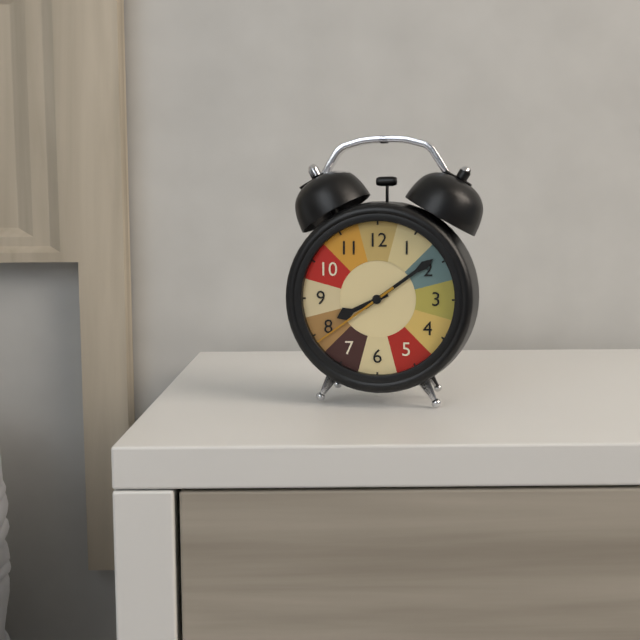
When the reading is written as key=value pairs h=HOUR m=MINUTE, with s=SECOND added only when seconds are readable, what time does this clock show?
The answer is h=8 m=9 s=39
